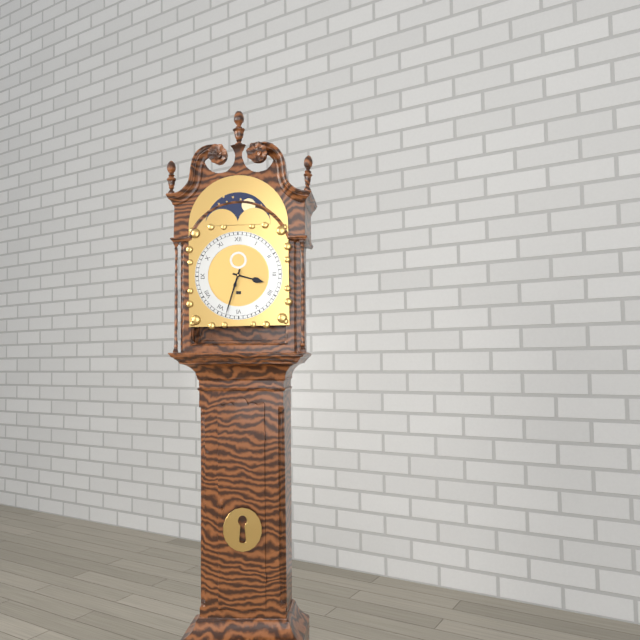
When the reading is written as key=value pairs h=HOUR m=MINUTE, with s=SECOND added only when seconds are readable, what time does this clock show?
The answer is h=3 m=33
